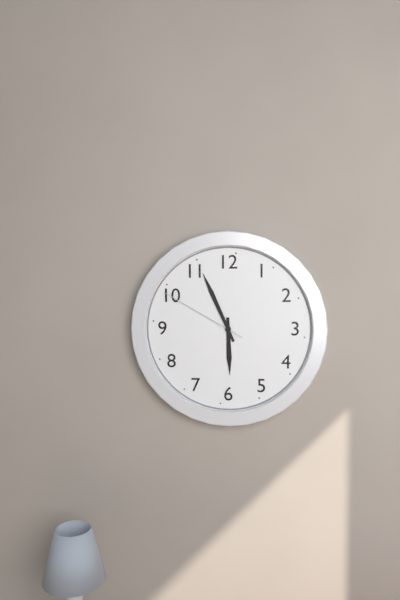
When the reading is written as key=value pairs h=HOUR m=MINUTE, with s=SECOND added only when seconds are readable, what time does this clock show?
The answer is h=5 m=56 s=50
